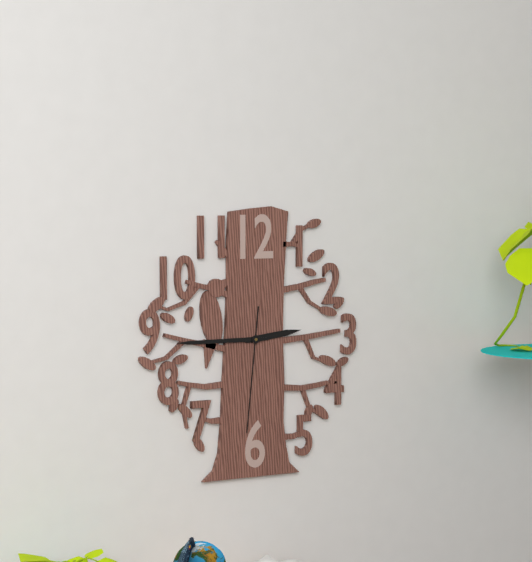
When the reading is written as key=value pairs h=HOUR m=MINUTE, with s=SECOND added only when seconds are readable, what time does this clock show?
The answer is h=2 m=45 s=31
